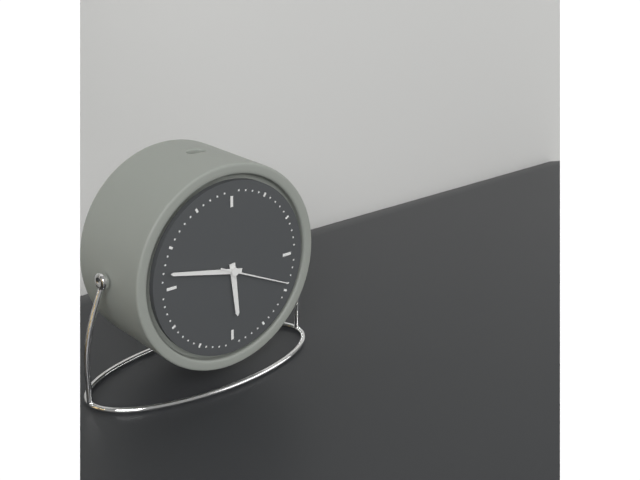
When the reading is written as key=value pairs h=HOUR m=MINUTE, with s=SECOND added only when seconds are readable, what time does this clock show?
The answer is h=5 m=47 s=19
